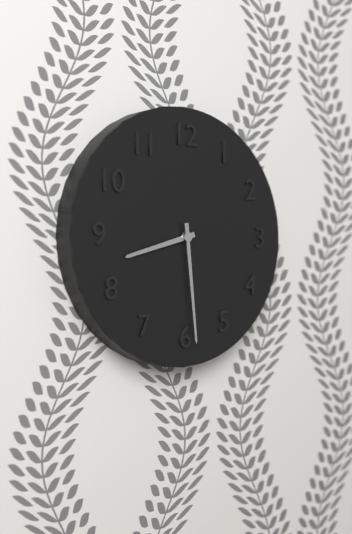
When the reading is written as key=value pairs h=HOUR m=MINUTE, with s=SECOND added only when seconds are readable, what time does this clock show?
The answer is h=8 m=29
